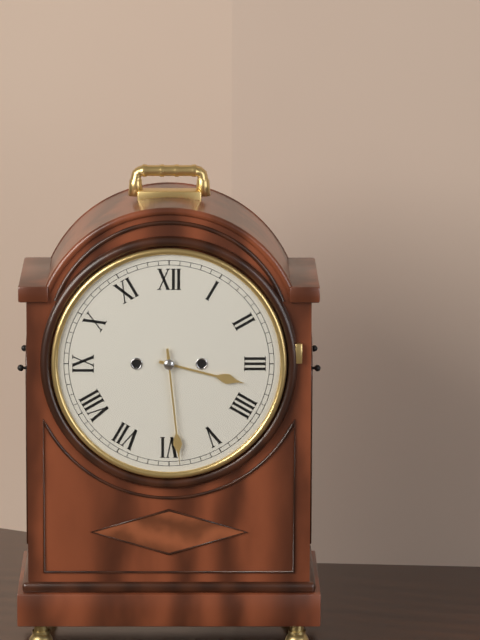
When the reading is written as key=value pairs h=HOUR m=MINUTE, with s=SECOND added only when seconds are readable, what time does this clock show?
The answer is h=3 m=29
